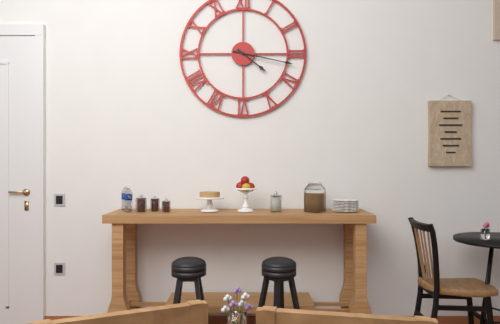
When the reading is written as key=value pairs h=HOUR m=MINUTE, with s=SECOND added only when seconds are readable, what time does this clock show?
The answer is h=4 m=17
